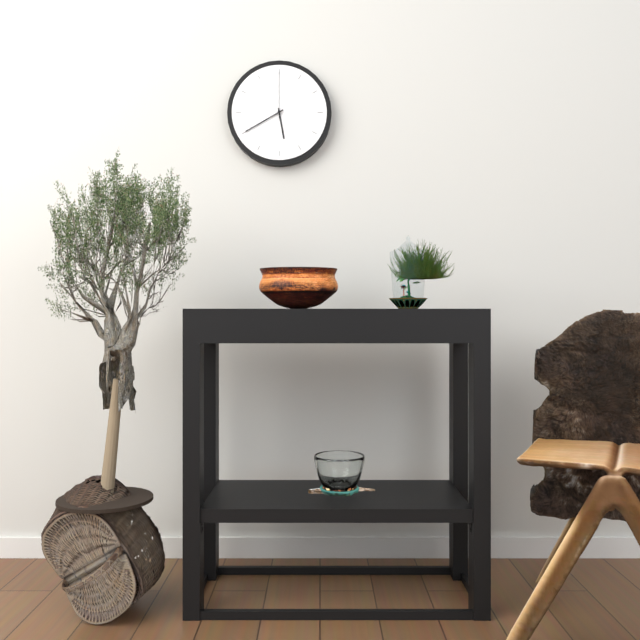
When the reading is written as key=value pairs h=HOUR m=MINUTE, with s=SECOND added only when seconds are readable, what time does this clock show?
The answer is h=5 m=40 s=0
